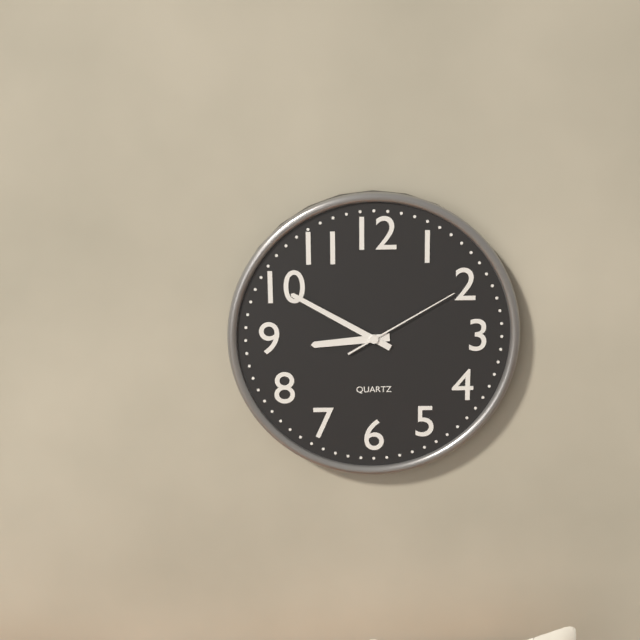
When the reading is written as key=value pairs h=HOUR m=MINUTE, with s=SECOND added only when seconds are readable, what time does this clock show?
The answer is h=8 m=50 s=10
